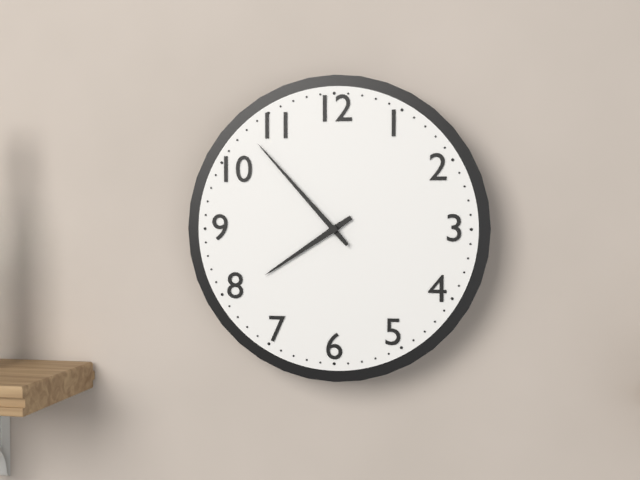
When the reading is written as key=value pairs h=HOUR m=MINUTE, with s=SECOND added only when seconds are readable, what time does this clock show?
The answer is h=7 m=53
